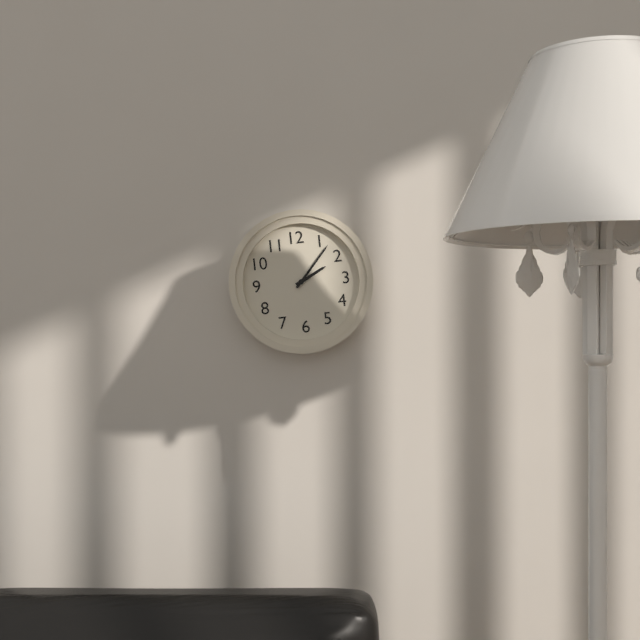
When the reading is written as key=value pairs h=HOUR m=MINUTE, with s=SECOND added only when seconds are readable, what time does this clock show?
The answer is h=2 m=7
